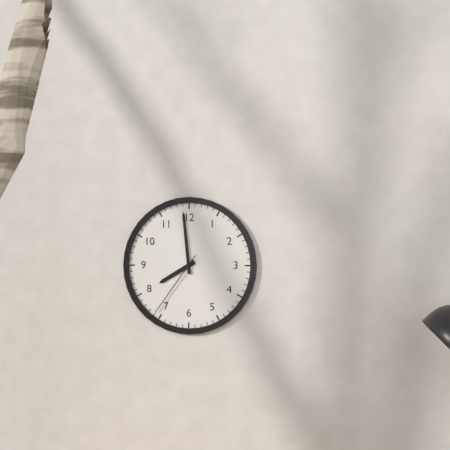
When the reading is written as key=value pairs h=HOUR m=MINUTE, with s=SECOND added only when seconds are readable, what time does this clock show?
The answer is h=7 m=59 s=36
